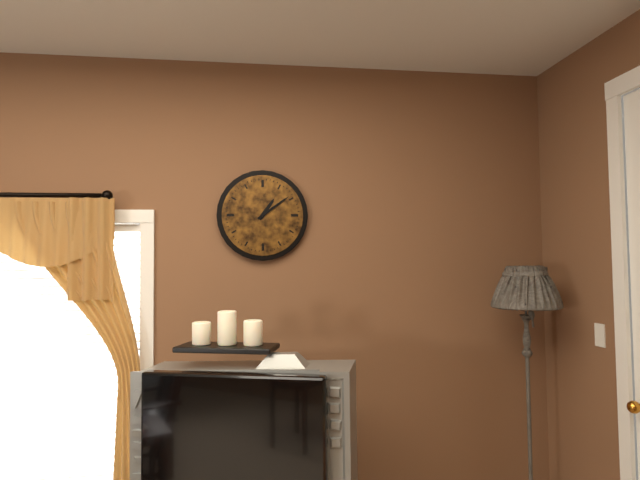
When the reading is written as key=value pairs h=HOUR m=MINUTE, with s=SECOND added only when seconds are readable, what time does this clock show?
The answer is h=1 m=9
